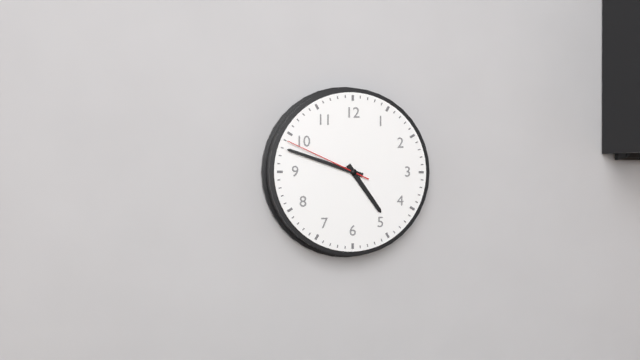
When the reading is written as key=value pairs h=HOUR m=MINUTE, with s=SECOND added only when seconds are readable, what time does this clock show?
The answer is h=4 m=48 s=49
